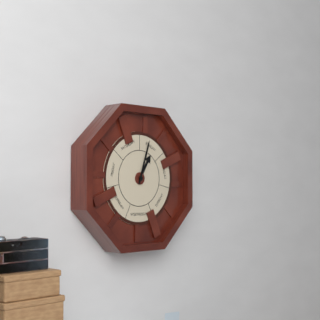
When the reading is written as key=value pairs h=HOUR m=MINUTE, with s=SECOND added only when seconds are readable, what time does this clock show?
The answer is h=1 m=3
